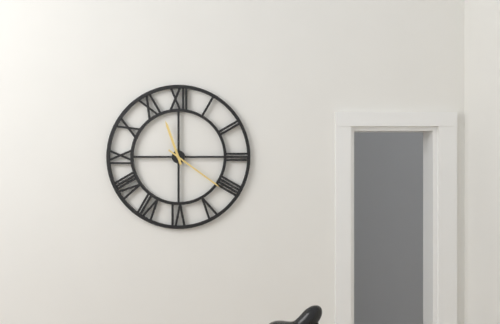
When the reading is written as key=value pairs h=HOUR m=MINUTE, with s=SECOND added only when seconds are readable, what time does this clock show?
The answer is h=11 m=21
